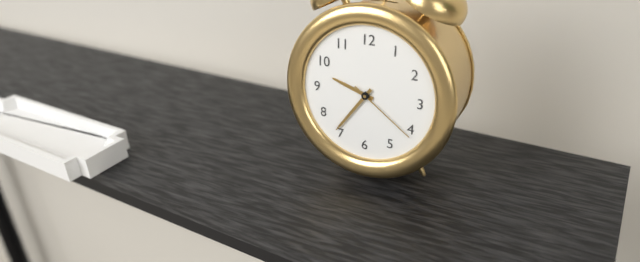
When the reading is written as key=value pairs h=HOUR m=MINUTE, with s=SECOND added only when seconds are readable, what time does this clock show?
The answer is h=9 m=36 s=21
